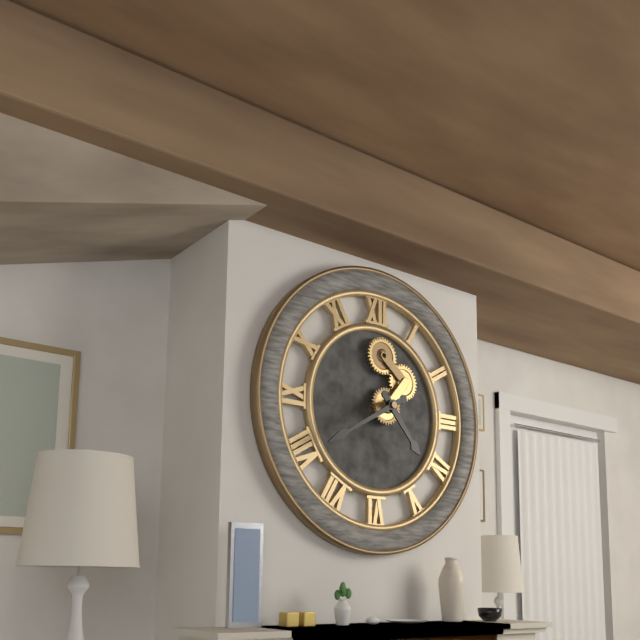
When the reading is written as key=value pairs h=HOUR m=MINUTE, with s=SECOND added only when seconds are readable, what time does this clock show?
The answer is h=4 m=40
